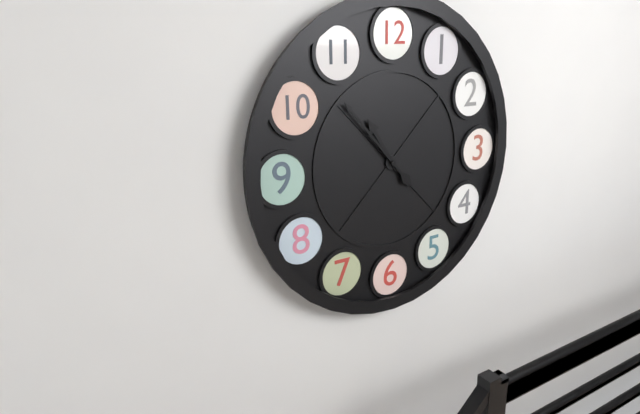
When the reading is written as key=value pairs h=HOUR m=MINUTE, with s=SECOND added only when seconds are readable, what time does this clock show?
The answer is h=10 m=53
